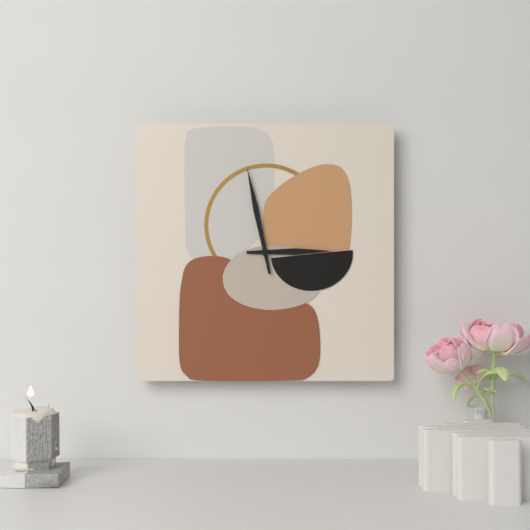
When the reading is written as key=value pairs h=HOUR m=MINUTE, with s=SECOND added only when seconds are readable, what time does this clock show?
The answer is h=2 m=58
